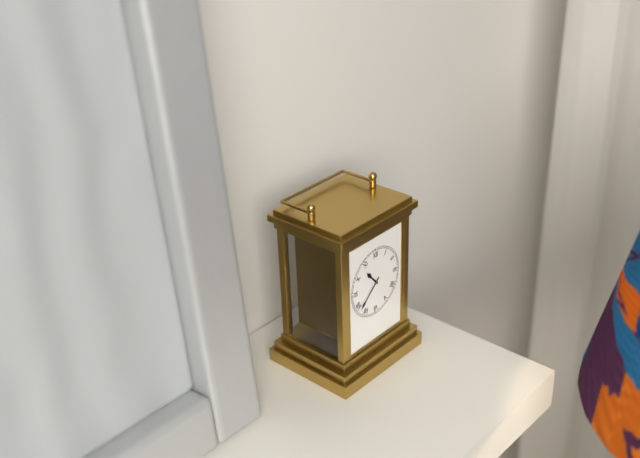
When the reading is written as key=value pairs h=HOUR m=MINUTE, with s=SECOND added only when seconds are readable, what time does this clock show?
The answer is h=10 m=38
